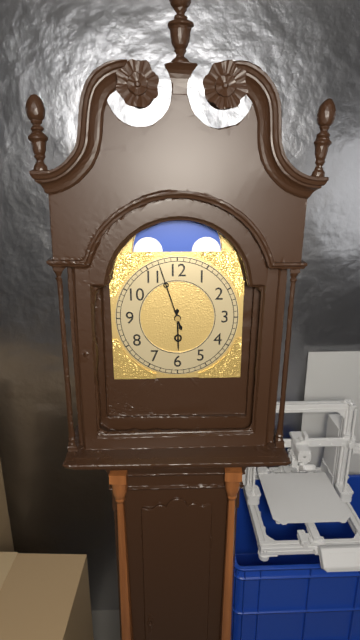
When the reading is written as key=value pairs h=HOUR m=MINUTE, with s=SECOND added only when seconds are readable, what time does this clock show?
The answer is h=5 m=57
